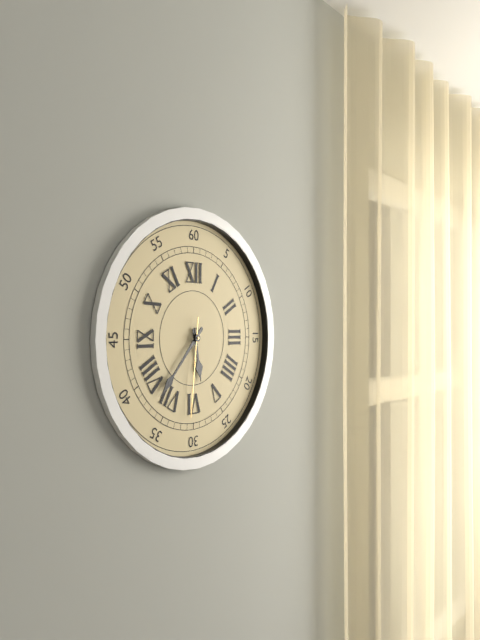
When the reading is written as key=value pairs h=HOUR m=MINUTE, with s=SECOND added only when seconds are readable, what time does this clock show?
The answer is h=5 m=37 s=31
